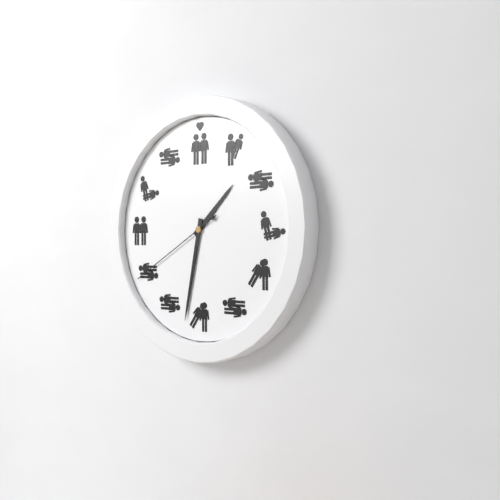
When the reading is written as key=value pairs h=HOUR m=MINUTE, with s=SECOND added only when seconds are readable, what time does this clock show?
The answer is h=1 m=32 s=40
